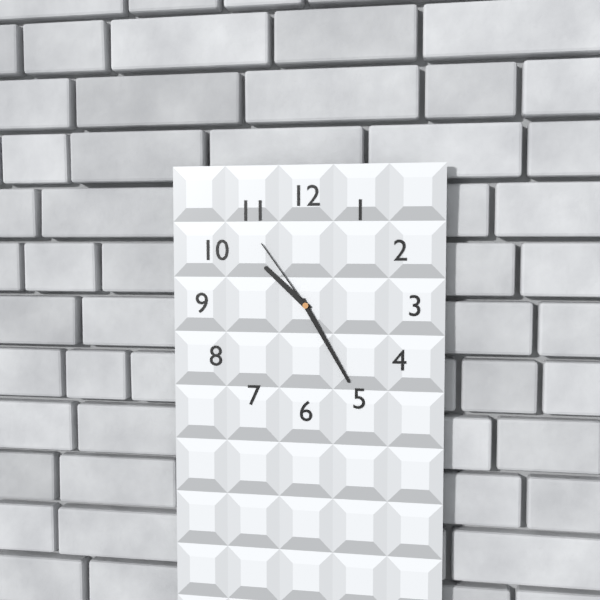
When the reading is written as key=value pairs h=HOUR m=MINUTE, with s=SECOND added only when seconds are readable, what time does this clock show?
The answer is h=10 m=25 s=54
